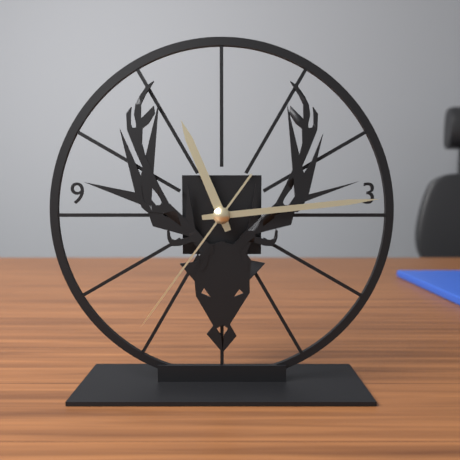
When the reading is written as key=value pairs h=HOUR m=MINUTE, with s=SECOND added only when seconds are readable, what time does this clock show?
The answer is h=11 m=14 s=36
